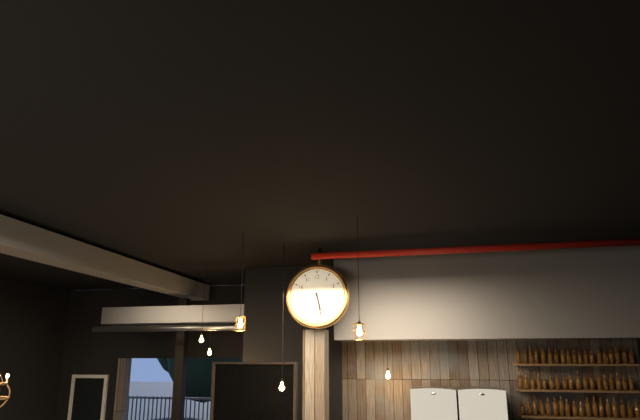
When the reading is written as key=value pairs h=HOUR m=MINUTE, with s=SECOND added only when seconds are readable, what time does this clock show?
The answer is h=5 m=28
